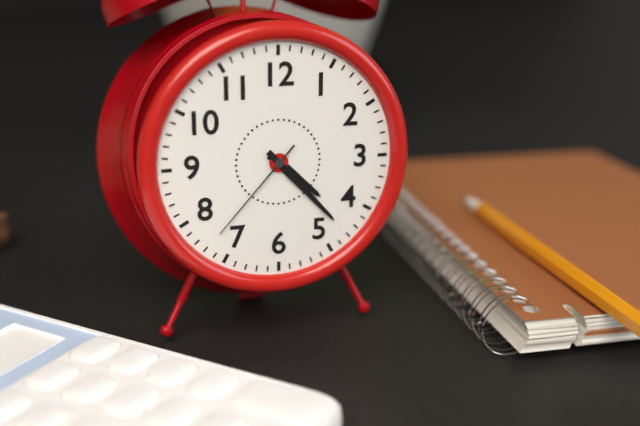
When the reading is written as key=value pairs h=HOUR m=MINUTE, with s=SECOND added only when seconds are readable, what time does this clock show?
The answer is h=4 m=23 s=37
